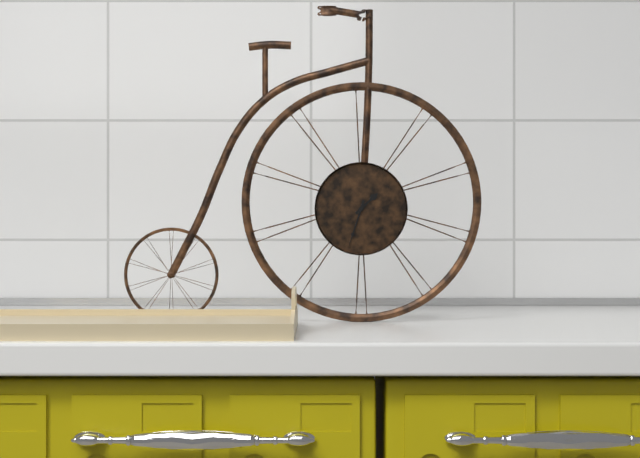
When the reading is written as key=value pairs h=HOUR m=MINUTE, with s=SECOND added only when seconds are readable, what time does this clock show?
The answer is h=1 m=33
